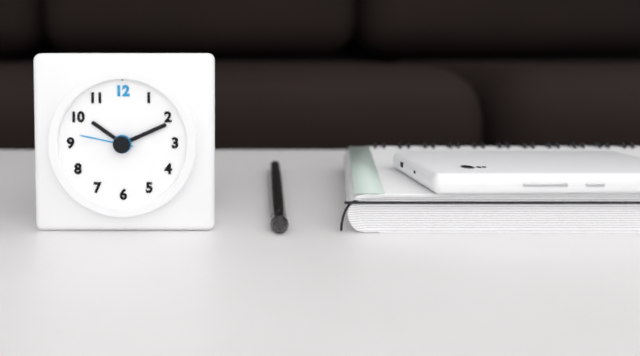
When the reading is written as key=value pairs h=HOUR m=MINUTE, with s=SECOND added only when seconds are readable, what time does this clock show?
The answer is h=10 m=11 s=47
